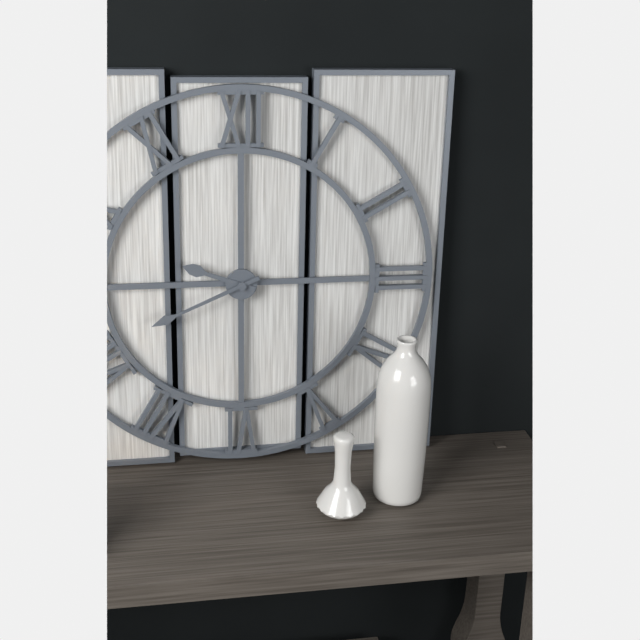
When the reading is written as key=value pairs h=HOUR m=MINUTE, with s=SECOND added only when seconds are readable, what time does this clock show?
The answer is h=9 m=41
